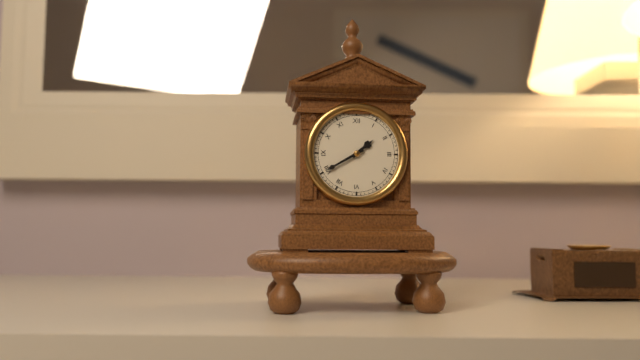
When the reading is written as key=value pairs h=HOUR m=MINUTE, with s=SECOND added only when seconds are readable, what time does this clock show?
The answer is h=1 m=40
